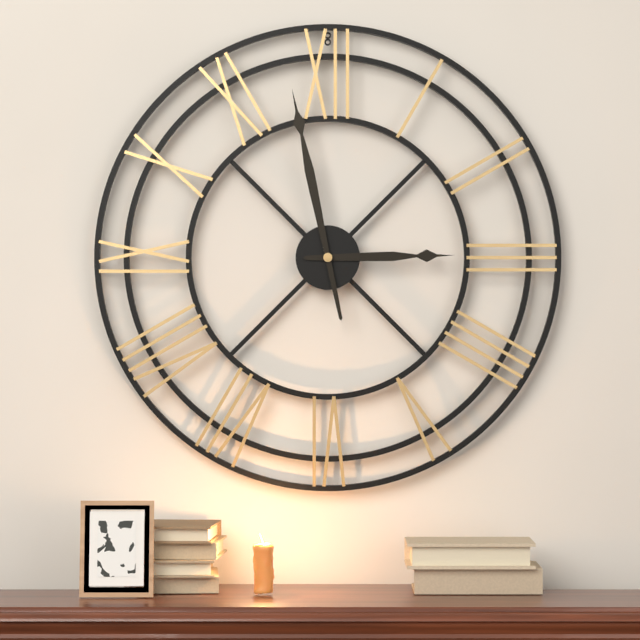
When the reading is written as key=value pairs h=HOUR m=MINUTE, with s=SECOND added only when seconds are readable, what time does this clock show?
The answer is h=2 m=58
